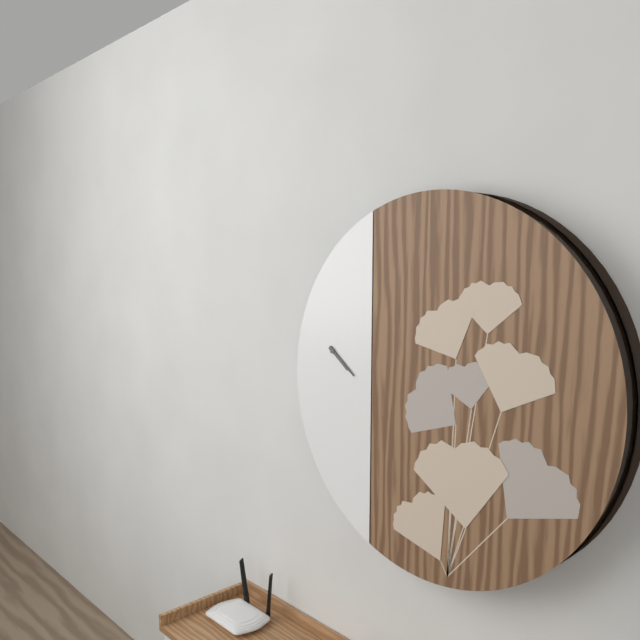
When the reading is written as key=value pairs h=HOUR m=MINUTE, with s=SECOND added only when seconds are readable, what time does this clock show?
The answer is h=4 m=21
